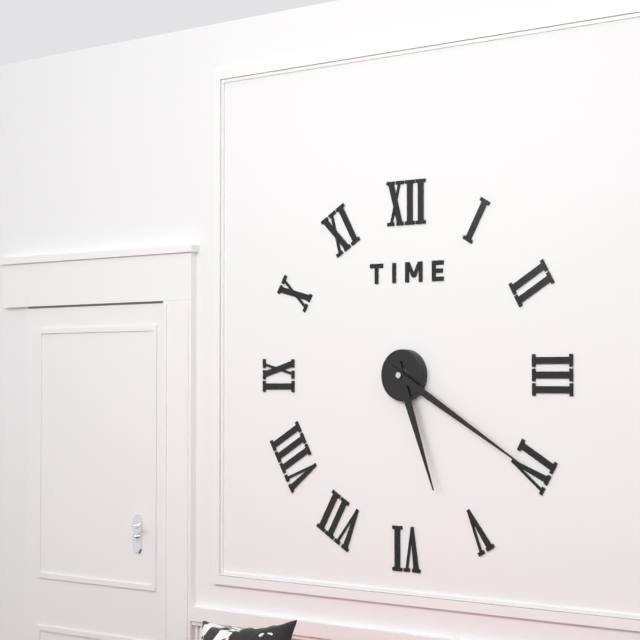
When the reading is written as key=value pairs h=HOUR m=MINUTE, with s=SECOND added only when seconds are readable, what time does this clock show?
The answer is h=5 m=20
